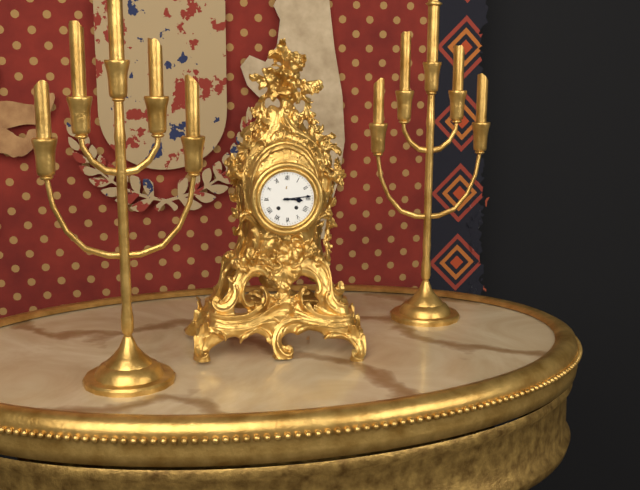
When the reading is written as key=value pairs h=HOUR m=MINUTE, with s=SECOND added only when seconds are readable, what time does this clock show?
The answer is h=3 m=14
